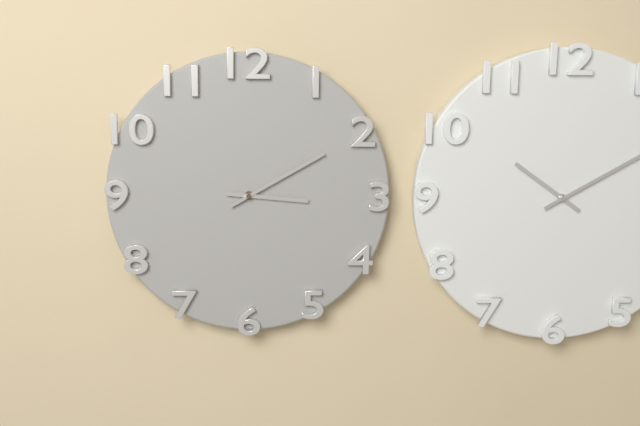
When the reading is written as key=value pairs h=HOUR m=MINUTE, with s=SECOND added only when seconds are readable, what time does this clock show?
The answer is h=3 m=10
